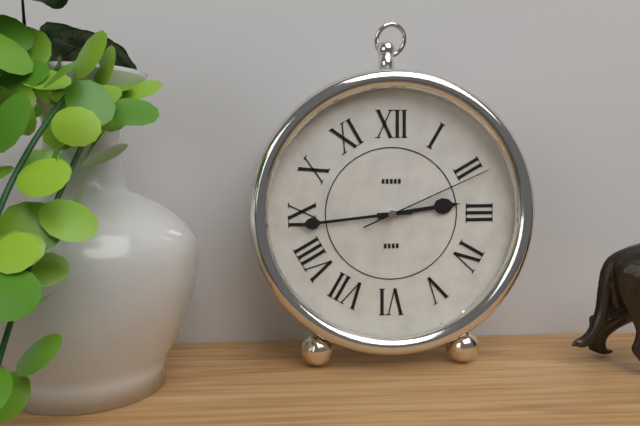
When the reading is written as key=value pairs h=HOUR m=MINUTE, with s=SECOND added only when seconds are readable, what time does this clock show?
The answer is h=2 m=44 s=11
